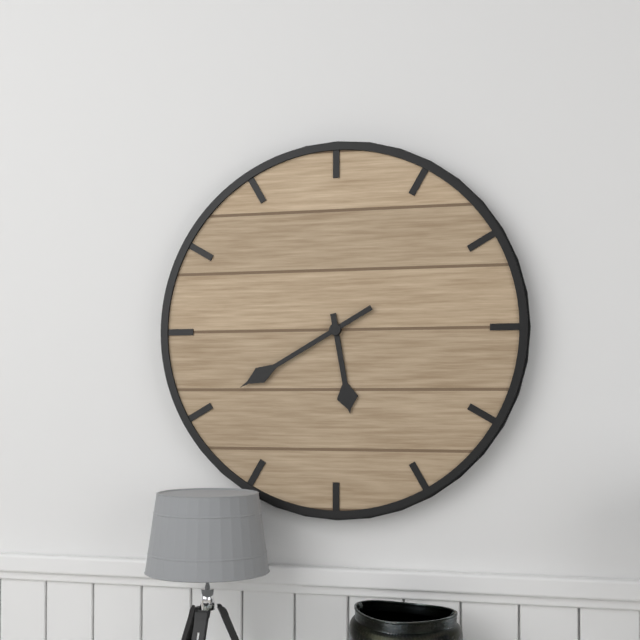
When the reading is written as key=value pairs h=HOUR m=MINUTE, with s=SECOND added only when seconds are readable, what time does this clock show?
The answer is h=5 m=40
